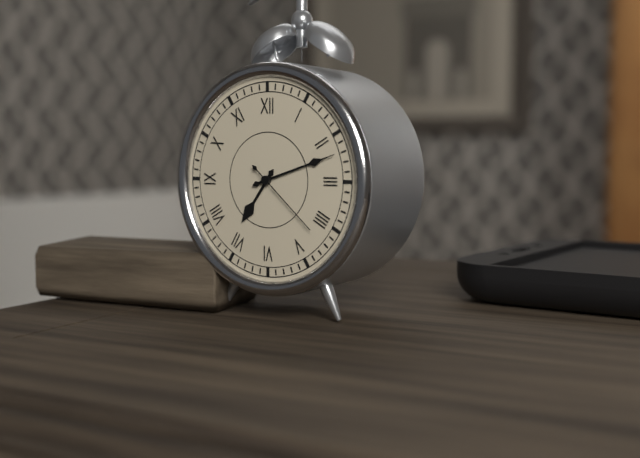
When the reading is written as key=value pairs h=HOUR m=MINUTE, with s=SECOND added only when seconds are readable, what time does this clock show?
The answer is h=7 m=12 s=22
